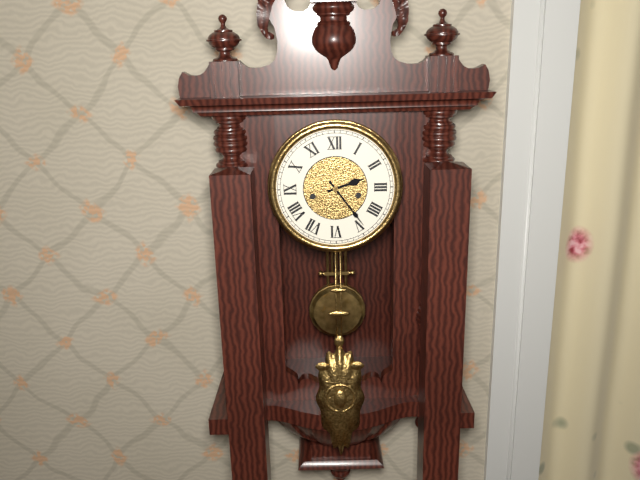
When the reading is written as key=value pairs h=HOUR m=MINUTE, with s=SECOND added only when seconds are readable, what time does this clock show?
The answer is h=2 m=24
